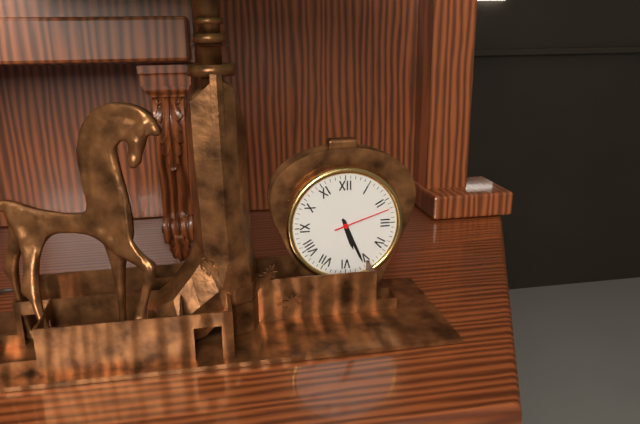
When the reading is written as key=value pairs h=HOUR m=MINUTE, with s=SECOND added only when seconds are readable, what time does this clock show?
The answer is h=5 m=26 s=12
